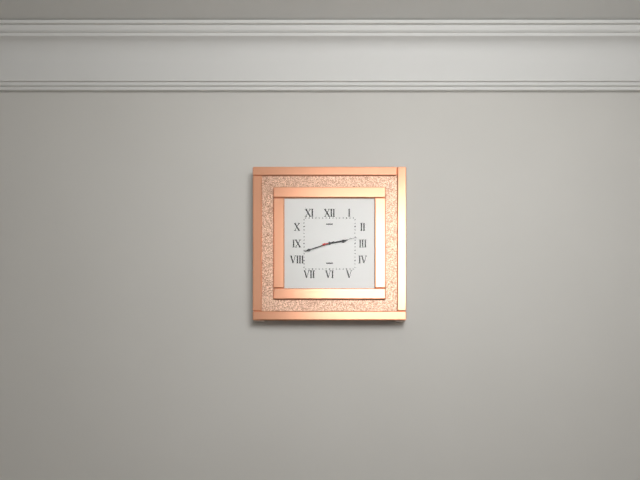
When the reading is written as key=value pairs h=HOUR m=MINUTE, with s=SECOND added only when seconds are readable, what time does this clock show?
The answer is h=2 m=42
